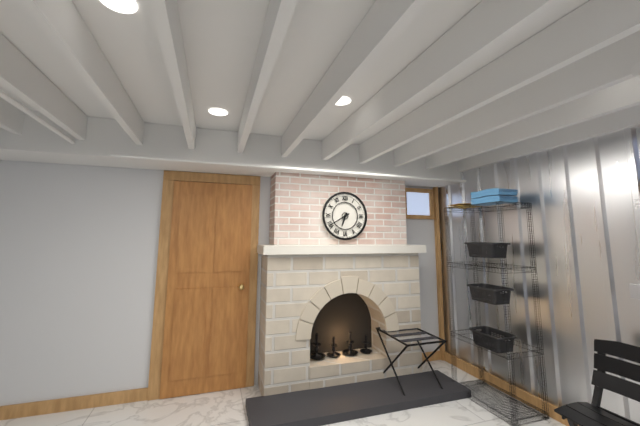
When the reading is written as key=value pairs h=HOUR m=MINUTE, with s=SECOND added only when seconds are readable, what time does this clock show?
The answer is h=6 m=40
